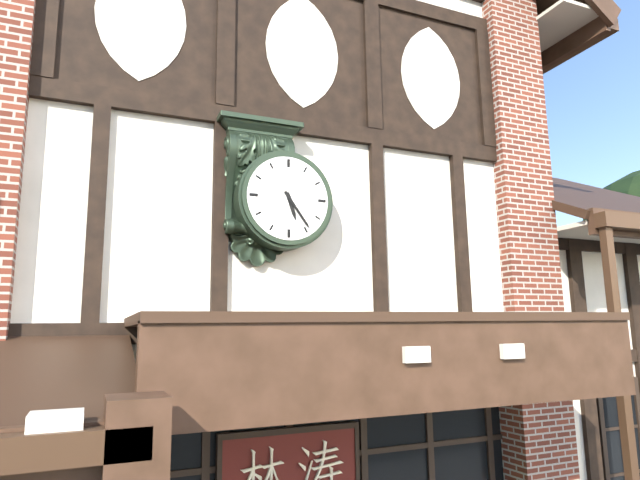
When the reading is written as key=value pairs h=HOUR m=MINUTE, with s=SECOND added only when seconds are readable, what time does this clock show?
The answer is h=5 m=24
